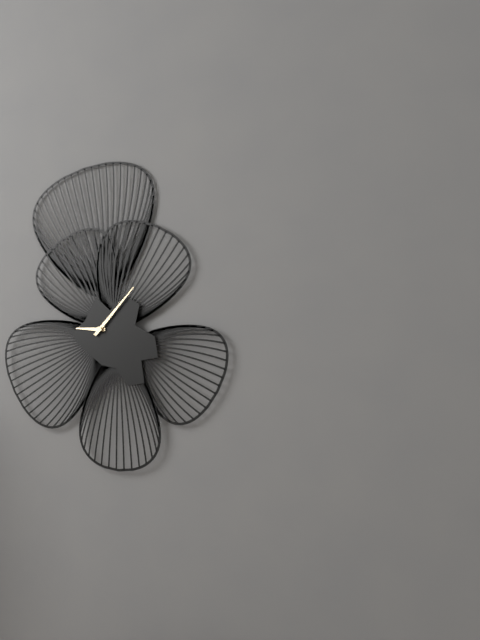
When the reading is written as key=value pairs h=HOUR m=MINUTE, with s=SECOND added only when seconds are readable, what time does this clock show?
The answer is h=9 m=7
